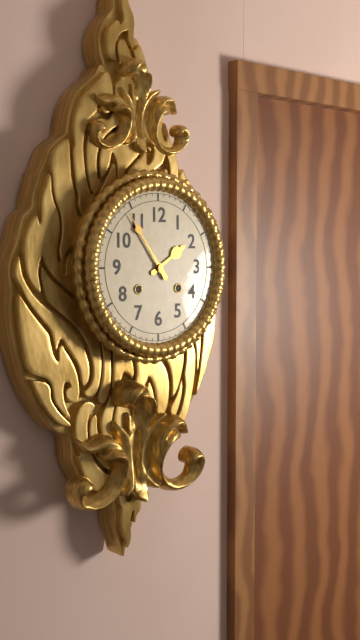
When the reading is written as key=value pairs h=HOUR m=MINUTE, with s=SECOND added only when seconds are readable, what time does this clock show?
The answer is h=1 m=54
